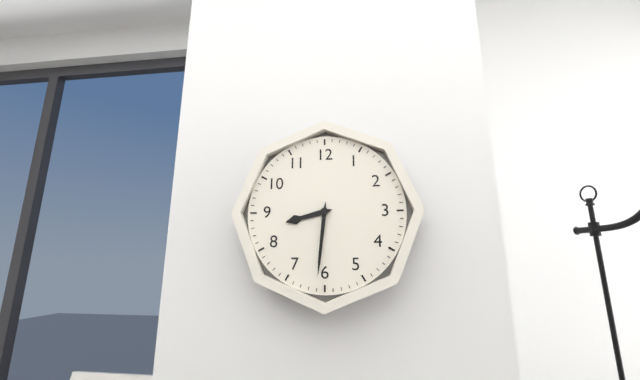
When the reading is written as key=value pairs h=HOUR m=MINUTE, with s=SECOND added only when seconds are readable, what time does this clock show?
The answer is h=8 m=31
